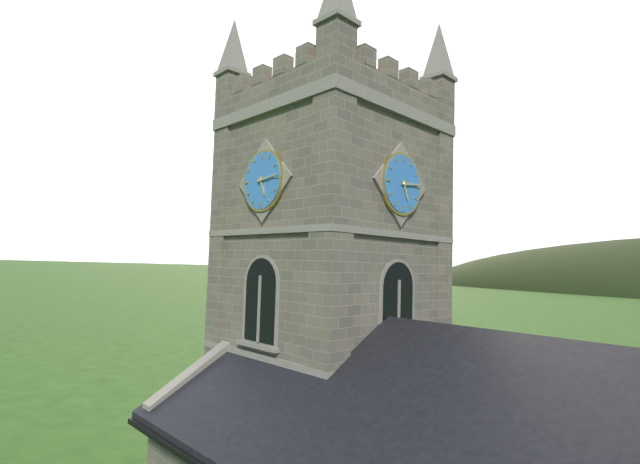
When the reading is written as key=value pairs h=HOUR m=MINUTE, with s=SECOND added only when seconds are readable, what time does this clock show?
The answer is h=5 m=14
